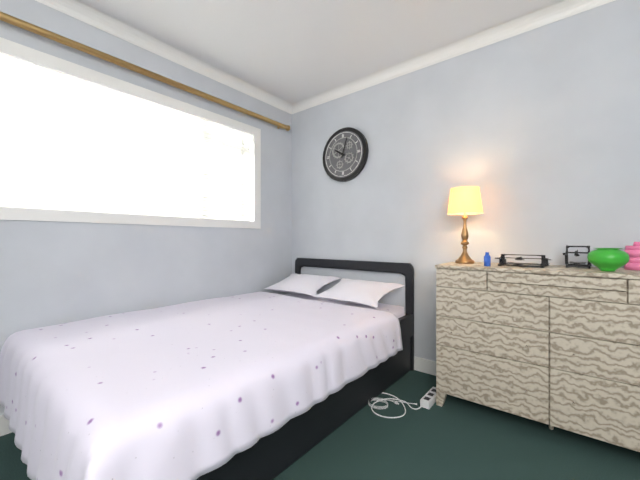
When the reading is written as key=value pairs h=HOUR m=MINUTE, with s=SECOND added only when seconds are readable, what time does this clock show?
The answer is h=10 m=3
